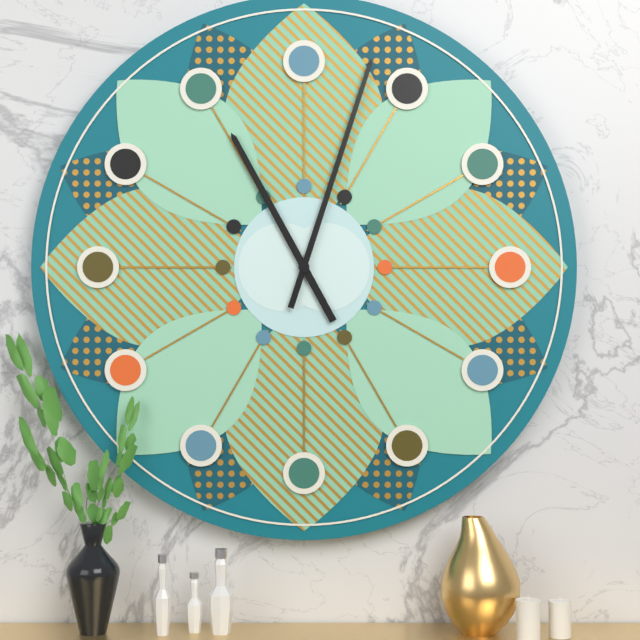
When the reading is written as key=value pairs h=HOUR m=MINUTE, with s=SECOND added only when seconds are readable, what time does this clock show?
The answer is h=11 m=3
